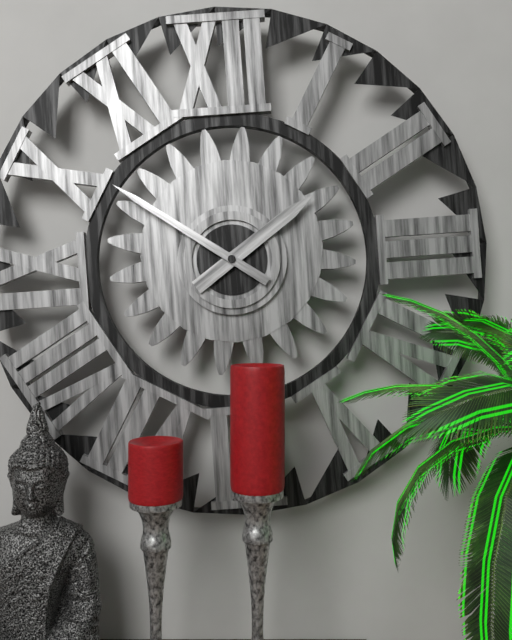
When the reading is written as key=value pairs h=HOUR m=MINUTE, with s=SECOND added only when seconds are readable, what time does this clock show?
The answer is h=1 m=51
